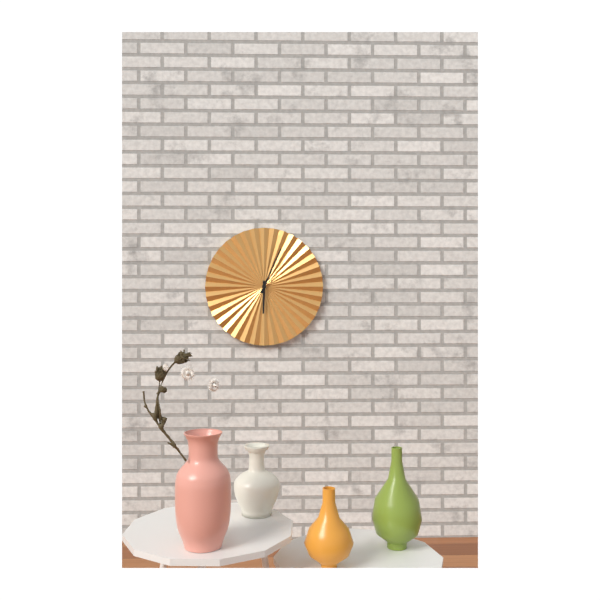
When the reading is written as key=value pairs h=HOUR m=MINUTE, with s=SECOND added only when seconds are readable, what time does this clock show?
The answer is h=6 m=4
